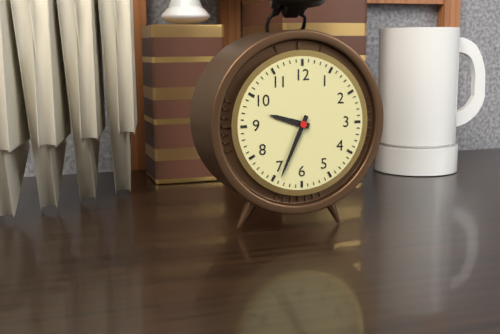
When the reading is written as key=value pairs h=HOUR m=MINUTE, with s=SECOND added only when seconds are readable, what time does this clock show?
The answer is h=9 m=34
